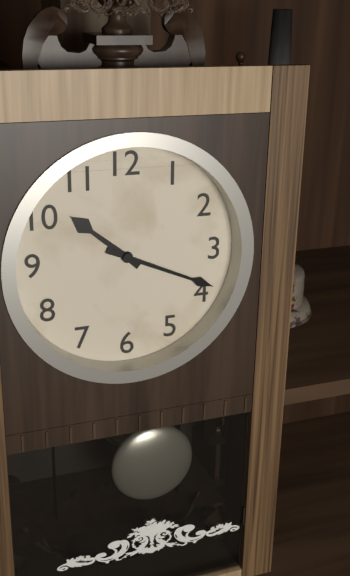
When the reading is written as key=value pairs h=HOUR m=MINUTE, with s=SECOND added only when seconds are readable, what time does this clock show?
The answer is h=10 m=19
